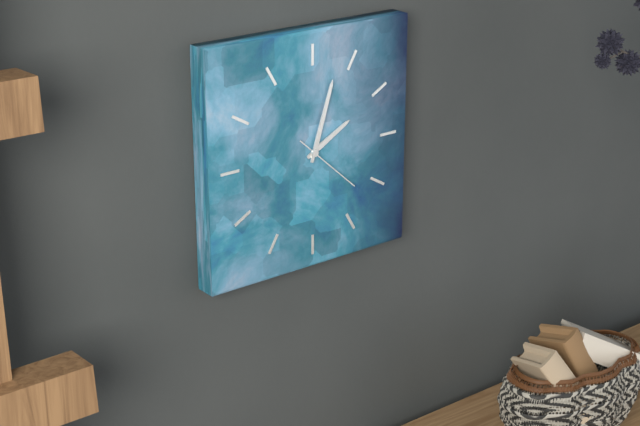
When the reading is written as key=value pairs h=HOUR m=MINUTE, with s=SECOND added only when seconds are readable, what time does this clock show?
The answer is h=2 m=3 s=22
